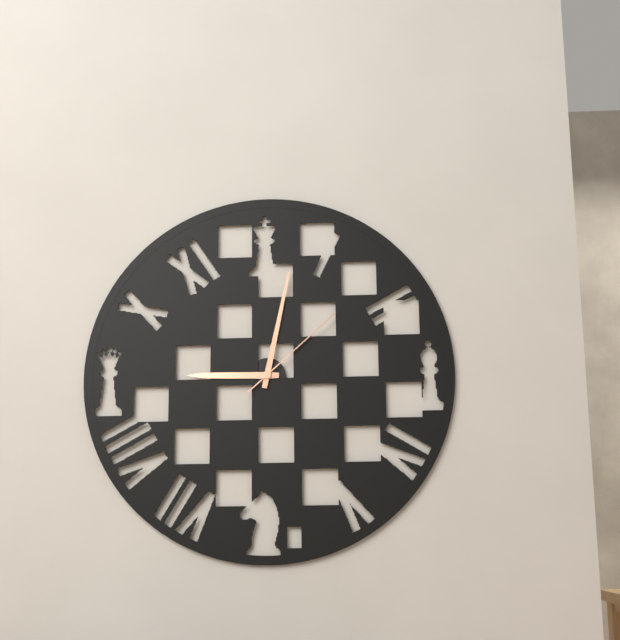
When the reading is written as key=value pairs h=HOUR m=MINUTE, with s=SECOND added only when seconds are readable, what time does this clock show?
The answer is h=9 m=2 s=8
